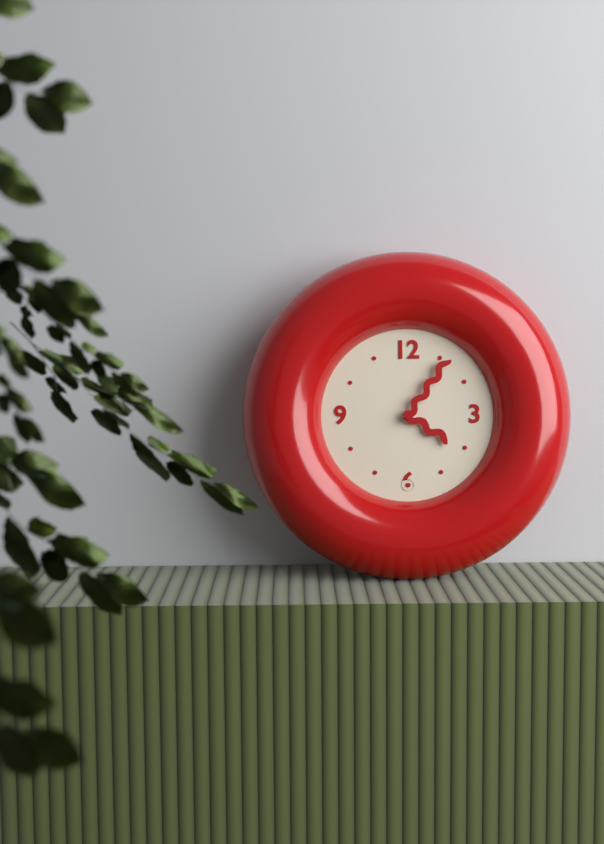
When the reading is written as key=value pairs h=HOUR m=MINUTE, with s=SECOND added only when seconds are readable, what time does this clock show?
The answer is h=4 m=6
